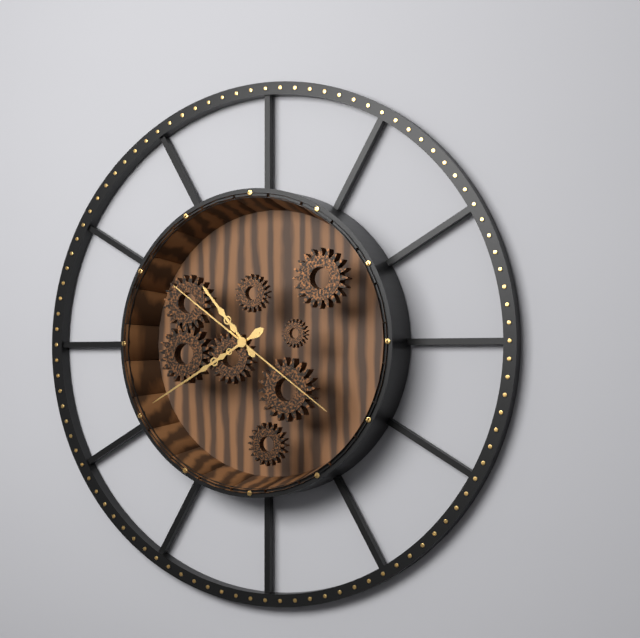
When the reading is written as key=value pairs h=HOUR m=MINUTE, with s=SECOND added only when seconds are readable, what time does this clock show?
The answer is h=10 m=40 s=21
